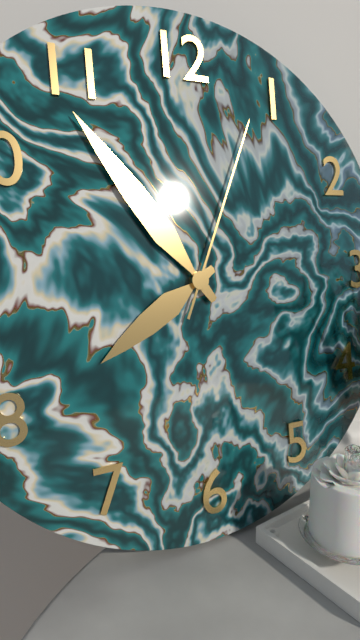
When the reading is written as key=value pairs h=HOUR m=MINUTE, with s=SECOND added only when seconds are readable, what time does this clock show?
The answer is h=7 m=54 s=4
